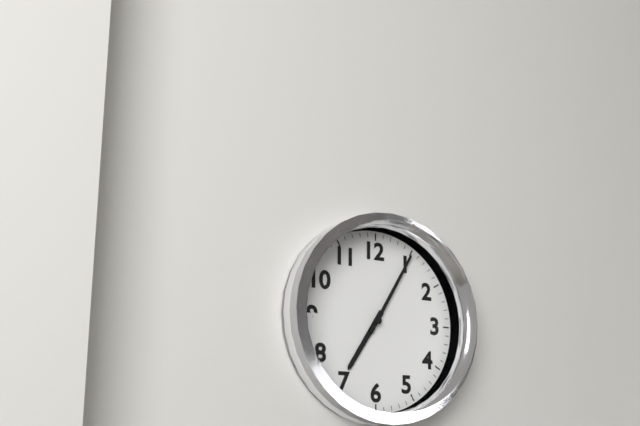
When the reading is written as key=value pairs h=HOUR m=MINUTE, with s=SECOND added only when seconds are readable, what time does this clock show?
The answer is h=7 m=5
